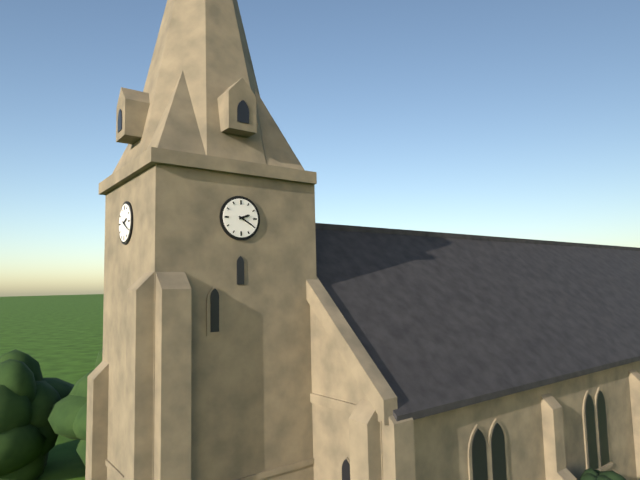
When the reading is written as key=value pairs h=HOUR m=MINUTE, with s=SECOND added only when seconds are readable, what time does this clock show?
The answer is h=2 m=20
